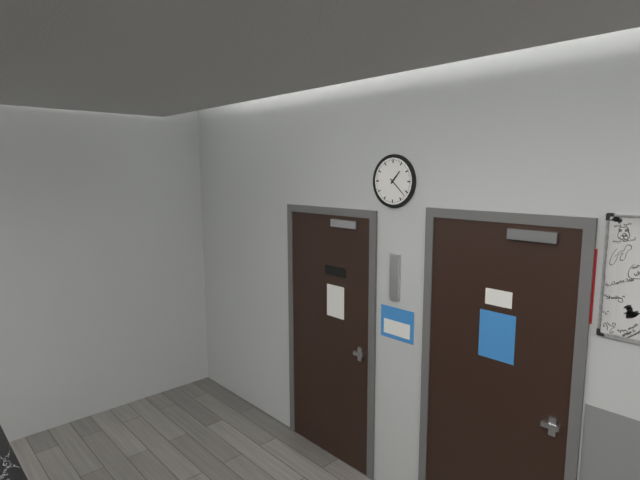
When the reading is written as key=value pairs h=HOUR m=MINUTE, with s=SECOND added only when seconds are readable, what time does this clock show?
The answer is h=1 m=22
